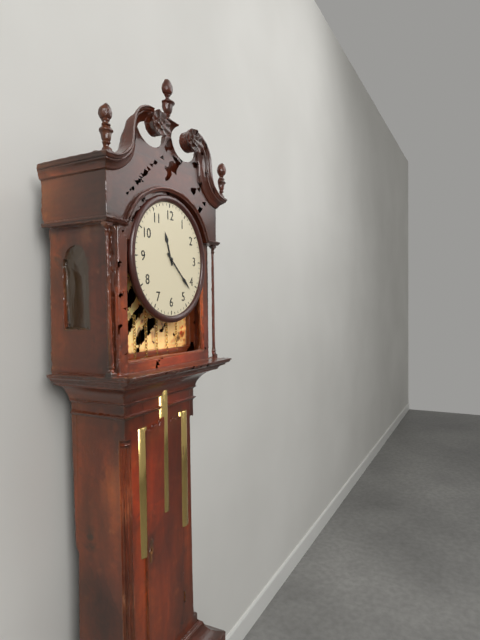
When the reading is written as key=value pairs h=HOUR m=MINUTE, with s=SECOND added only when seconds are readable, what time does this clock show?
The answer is h=11 m=22
